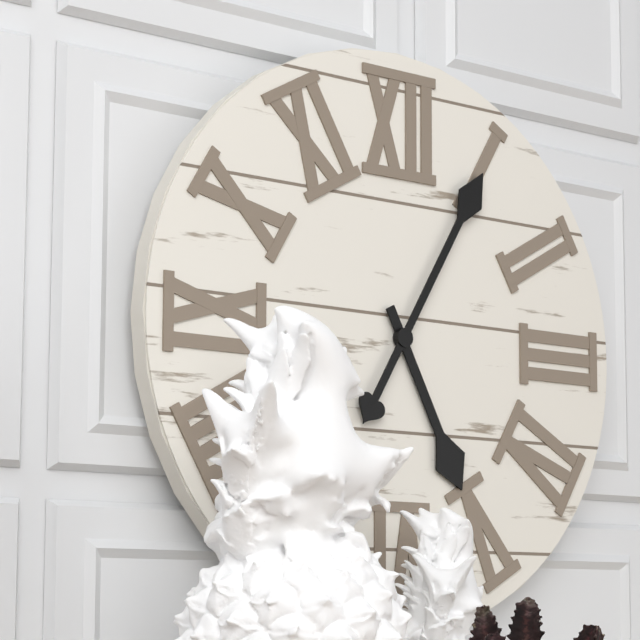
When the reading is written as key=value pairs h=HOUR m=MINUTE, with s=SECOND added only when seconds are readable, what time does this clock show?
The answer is h=5 m=5
